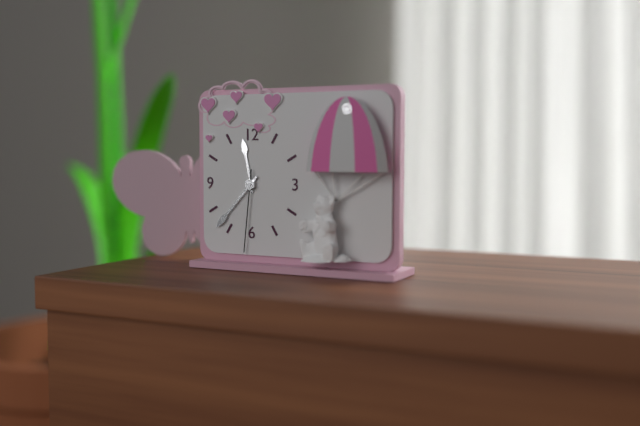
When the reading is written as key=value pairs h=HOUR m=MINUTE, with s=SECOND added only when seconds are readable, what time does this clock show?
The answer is h=11 m=37 s=31
